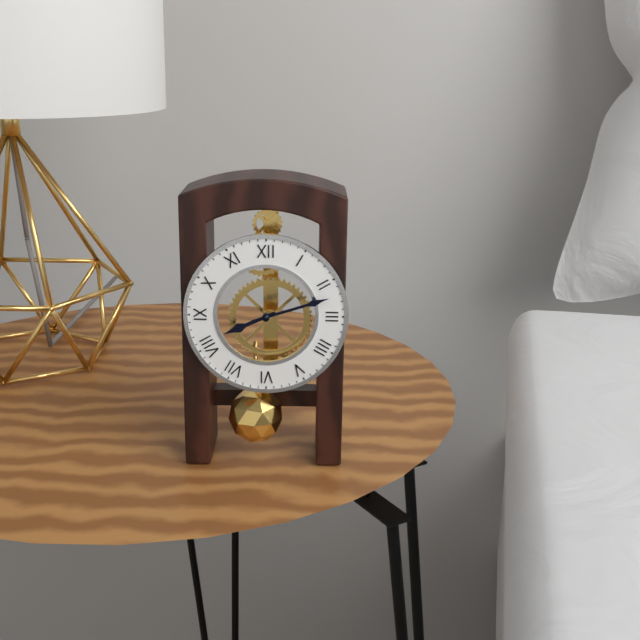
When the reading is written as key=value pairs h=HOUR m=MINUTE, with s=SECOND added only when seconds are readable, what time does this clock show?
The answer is h=8 m=12
